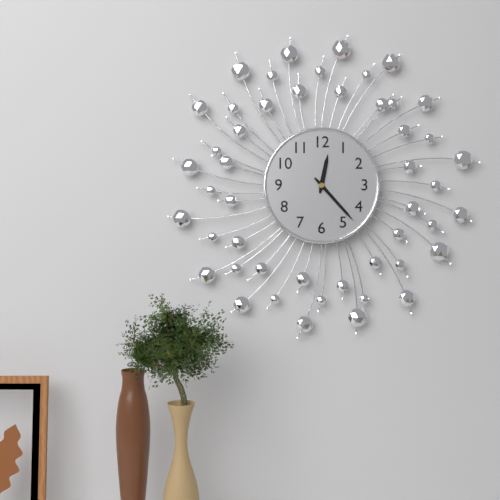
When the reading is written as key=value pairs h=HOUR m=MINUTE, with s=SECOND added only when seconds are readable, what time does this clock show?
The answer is h=12 m=23
